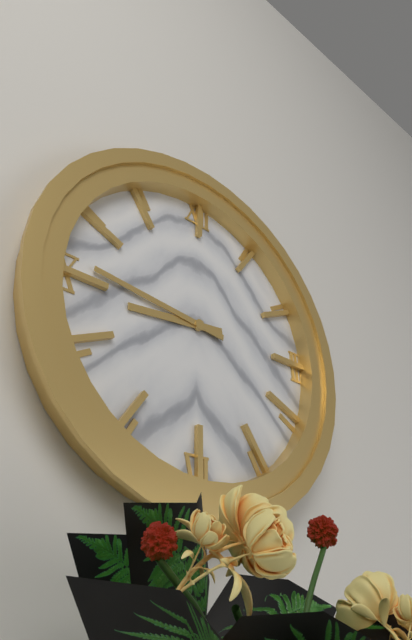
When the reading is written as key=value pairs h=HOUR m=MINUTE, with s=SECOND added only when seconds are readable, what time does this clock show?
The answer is h=8 m=46
